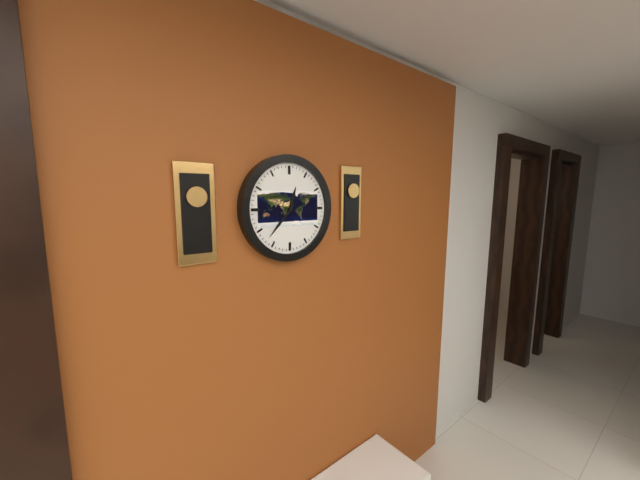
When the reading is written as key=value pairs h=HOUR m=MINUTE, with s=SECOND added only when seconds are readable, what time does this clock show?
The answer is h=12 m=37
